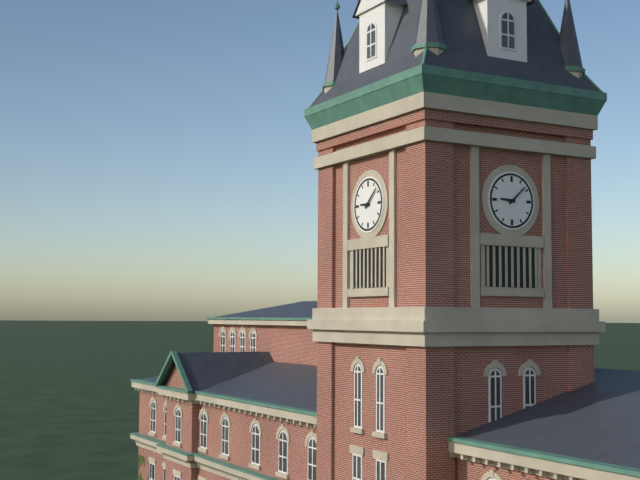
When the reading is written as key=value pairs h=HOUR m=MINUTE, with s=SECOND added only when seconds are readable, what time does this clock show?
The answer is h=9 m=8
